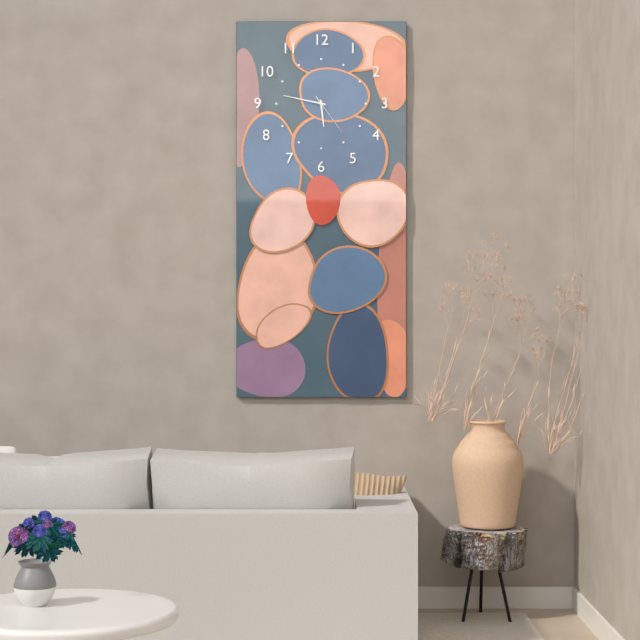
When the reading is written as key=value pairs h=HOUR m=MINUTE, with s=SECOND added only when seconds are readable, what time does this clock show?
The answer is h=5 m=47
